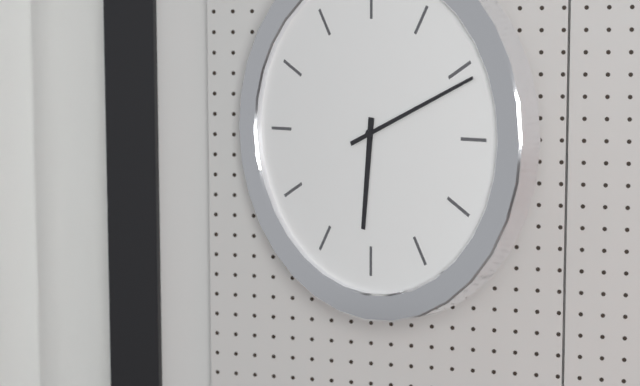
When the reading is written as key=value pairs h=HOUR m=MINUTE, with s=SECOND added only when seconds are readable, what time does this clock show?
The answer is h=6 m=11
